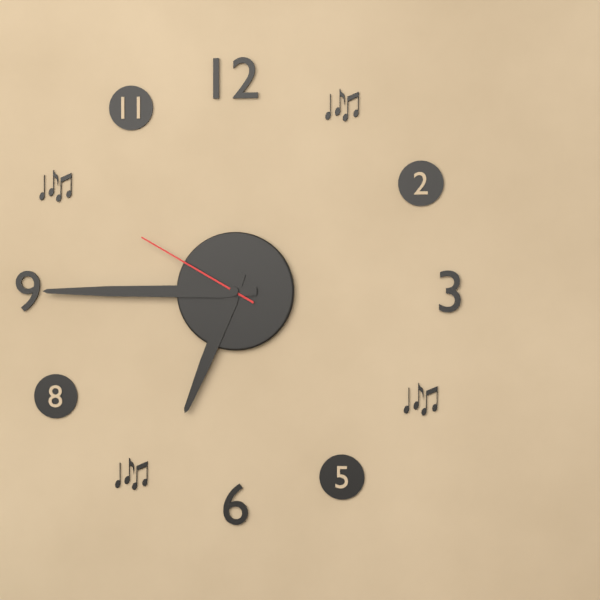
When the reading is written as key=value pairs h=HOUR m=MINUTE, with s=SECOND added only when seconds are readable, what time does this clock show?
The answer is h=6 m=45 s=50
